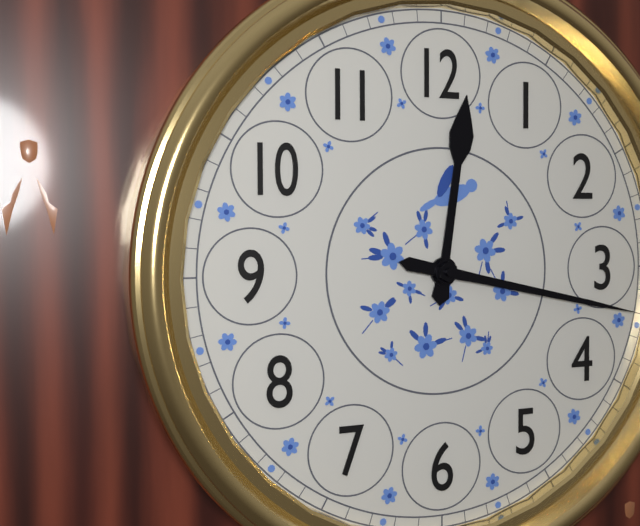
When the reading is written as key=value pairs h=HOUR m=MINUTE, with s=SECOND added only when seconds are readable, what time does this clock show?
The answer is h=12 m=17
